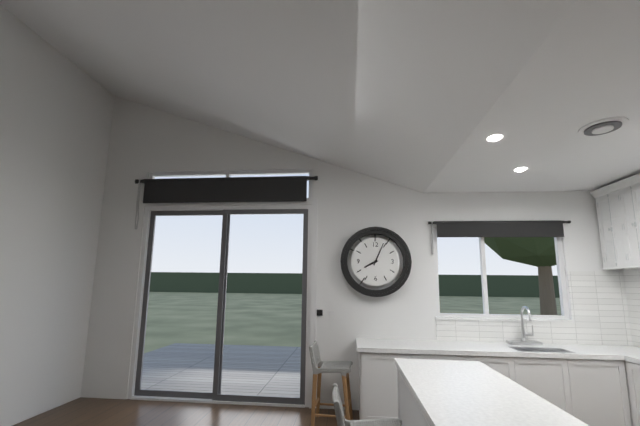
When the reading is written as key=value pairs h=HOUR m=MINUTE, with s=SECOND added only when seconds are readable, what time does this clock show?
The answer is h=8 m=4
